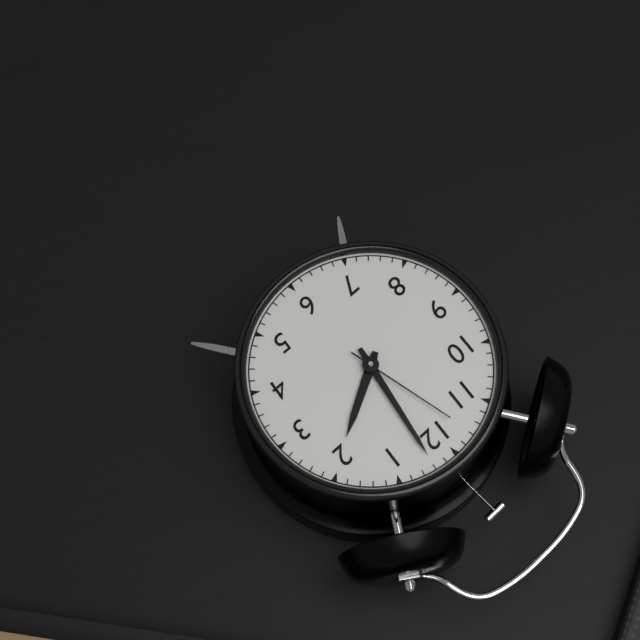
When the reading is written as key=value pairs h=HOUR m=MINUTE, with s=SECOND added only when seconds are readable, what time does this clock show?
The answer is h=2 m=2 s=58
